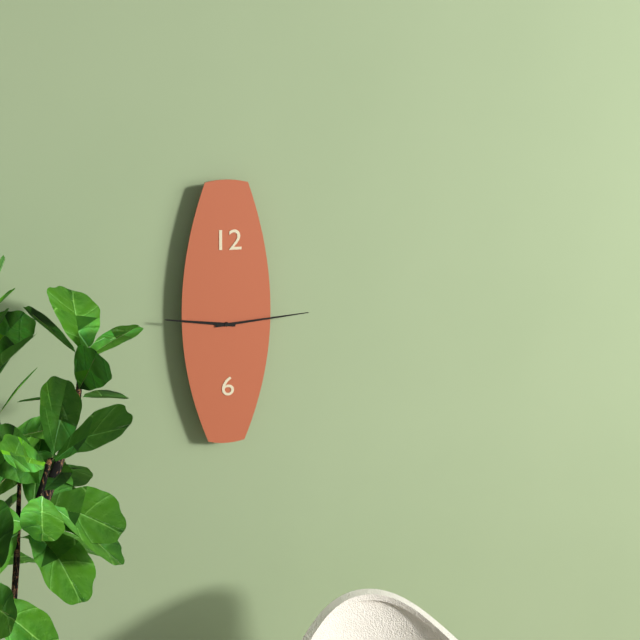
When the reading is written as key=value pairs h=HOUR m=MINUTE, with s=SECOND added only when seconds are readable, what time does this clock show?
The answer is h=9 m=14
